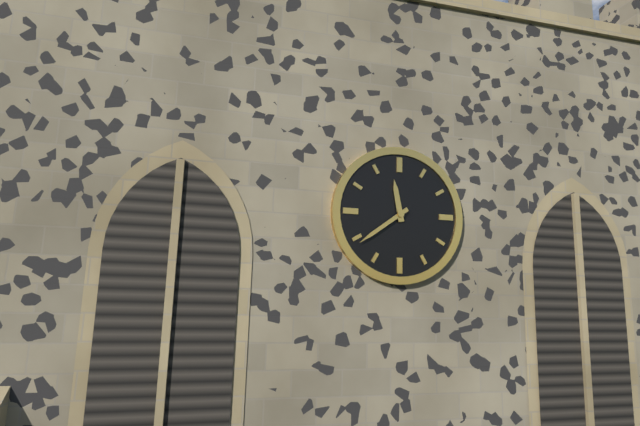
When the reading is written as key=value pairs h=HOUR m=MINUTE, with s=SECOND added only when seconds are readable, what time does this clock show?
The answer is h=11 m=39
